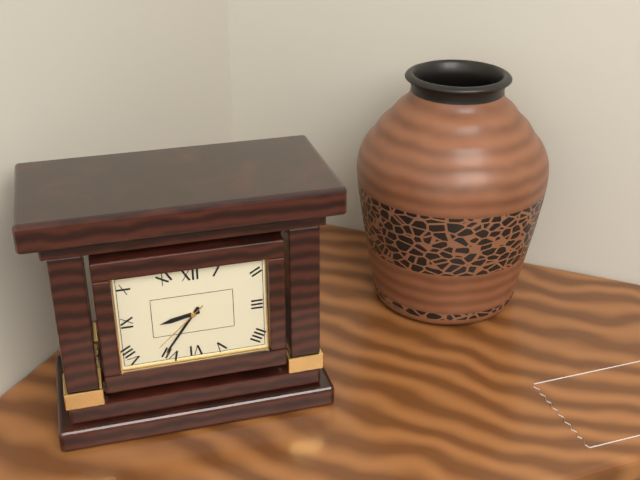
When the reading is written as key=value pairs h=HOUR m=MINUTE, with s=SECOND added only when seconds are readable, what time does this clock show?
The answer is h=8 m=36 s=38
